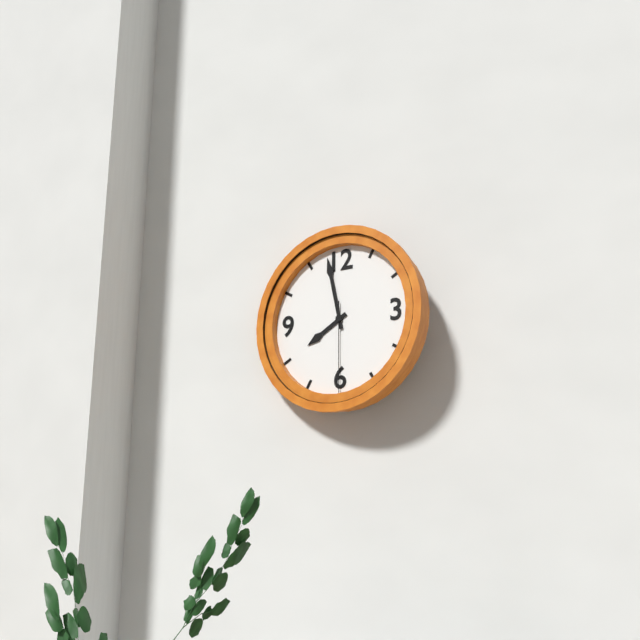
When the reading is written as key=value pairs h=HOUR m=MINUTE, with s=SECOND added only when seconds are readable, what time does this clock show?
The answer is h=7 m=58 s=30
